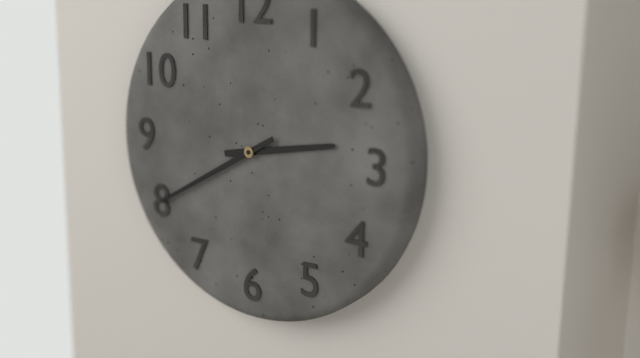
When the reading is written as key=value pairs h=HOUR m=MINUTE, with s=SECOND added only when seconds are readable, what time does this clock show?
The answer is h=2 m=40
